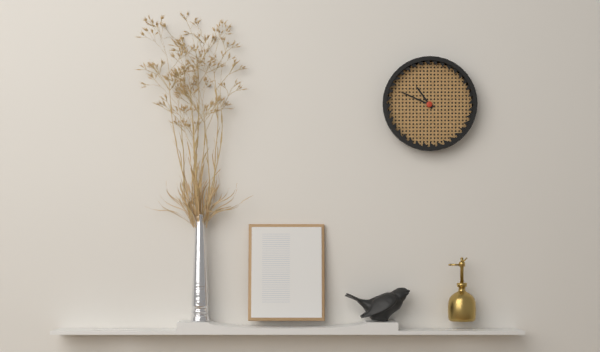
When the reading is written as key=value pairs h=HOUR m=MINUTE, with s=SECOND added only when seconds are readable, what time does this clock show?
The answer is h=10 m=49
